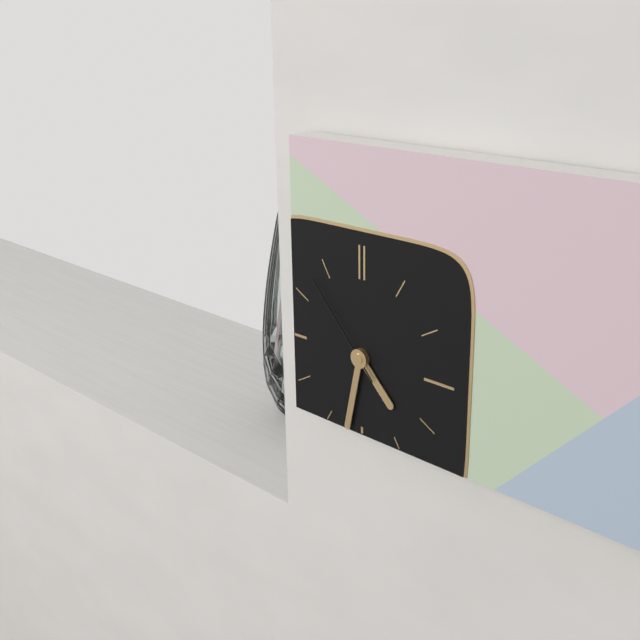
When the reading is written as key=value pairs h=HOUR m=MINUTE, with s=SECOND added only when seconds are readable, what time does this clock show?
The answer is h=4 m=32 s=53
